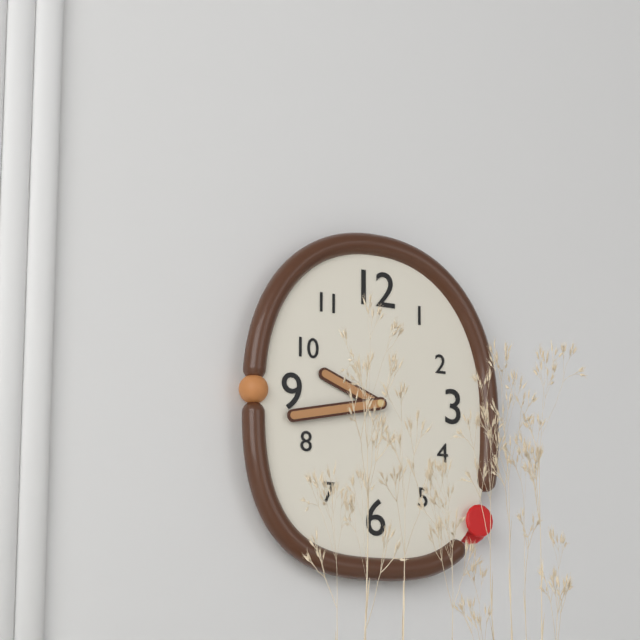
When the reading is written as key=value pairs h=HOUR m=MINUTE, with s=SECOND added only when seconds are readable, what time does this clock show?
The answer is h=9 m=43
